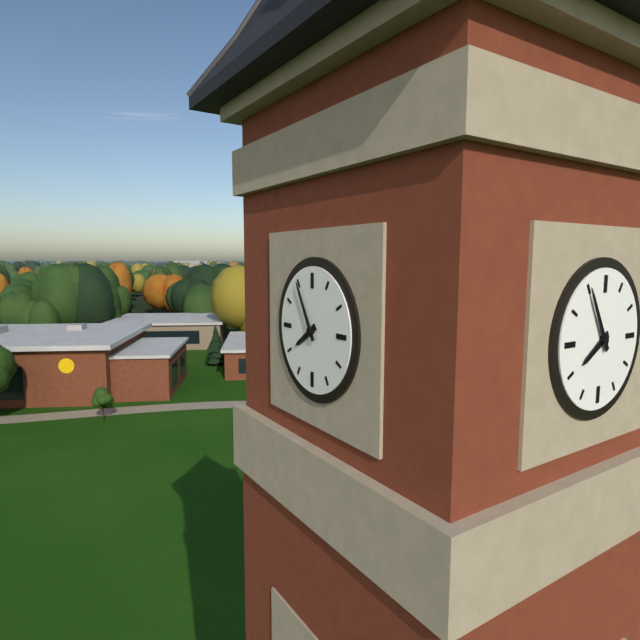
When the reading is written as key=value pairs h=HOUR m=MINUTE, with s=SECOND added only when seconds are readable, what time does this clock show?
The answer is h=7 m=55
